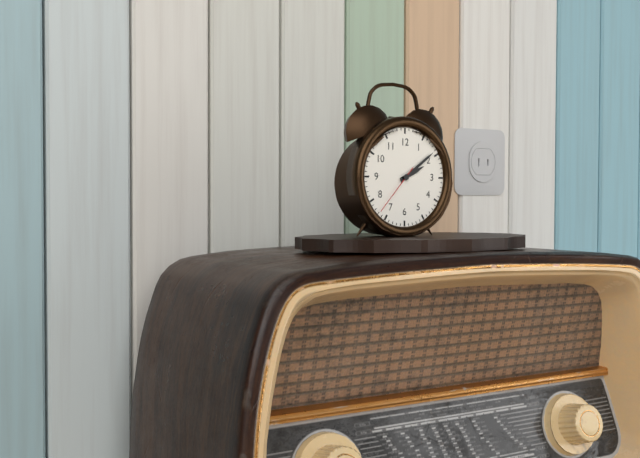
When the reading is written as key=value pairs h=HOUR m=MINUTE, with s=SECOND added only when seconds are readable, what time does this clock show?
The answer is h=2 m=9 s=37
